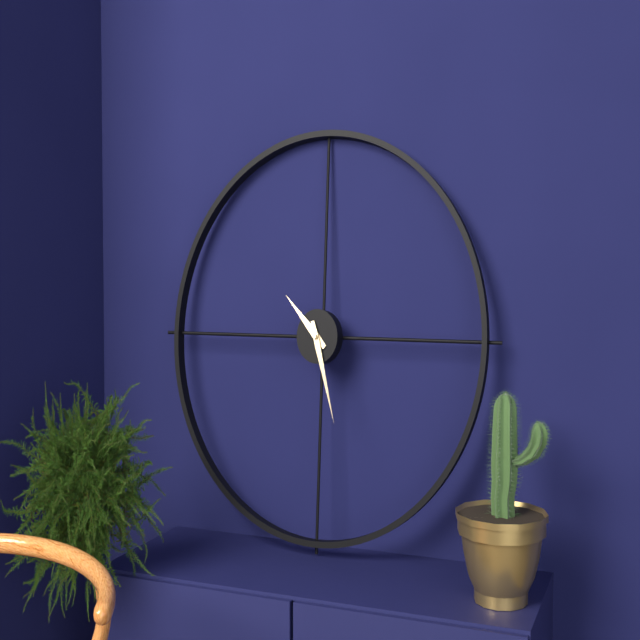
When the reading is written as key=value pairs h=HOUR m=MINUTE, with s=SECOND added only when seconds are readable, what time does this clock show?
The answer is h=10 m=27
